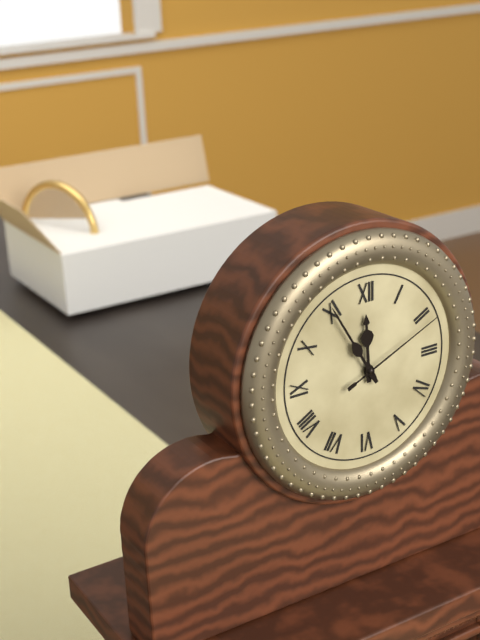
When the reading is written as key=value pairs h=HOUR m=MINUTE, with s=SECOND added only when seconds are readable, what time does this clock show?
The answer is h=11 m=55 s=11
